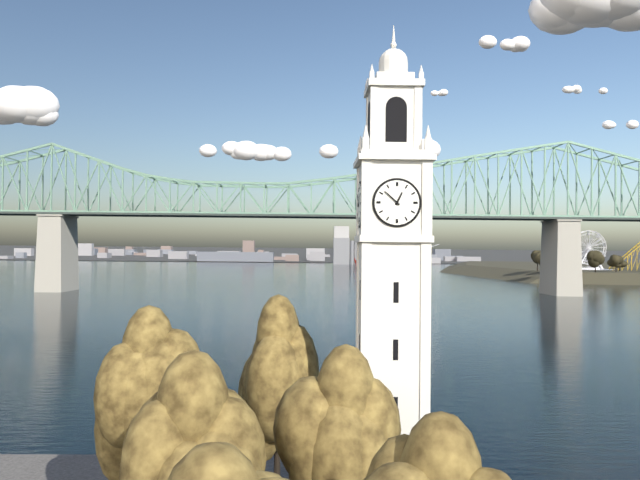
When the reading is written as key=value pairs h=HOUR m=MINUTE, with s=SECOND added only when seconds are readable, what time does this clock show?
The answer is h=12 m=52
